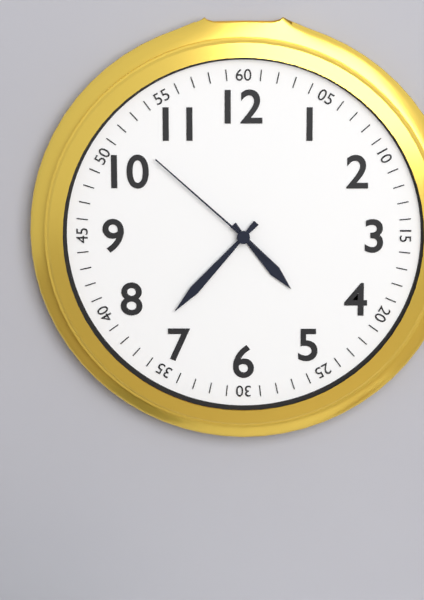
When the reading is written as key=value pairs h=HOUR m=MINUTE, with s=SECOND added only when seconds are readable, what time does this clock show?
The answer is h=4 m=37 s=52
